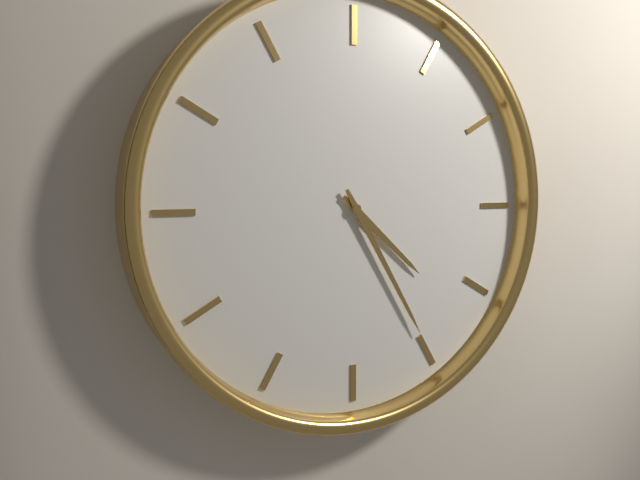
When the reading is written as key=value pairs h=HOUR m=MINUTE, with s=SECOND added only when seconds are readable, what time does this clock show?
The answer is h=4 m=25
